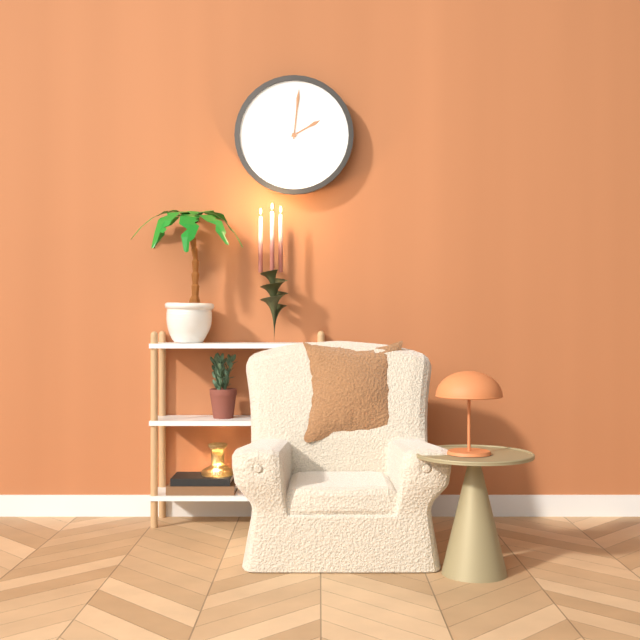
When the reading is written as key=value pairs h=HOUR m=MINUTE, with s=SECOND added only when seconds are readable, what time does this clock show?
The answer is h=2 m=1
